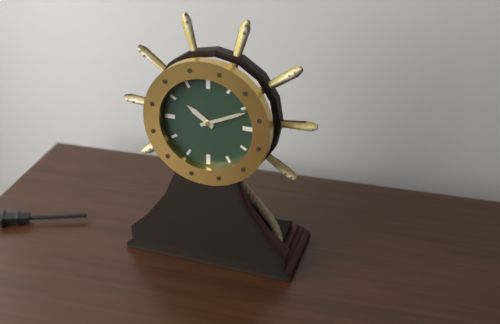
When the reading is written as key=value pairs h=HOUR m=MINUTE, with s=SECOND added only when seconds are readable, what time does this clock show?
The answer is h=10 m=11
